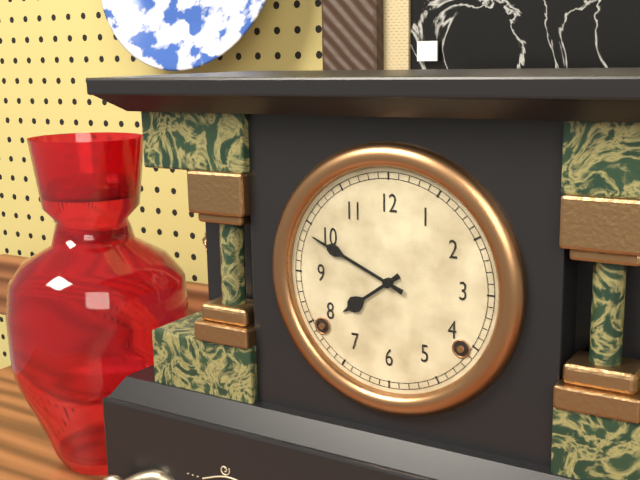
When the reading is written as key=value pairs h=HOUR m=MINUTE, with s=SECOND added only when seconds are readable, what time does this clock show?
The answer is h=7 m=49
